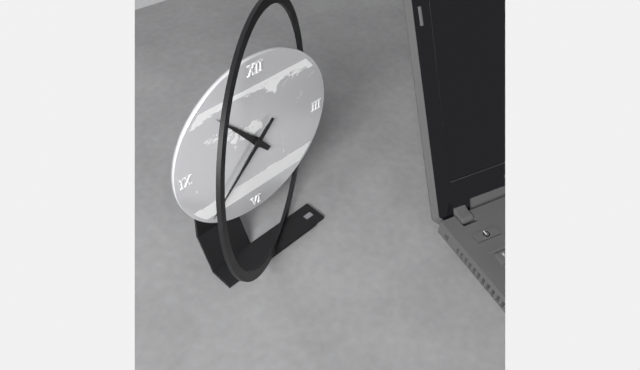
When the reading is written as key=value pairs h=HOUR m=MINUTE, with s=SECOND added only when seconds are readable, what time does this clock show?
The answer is h=10 m=37
